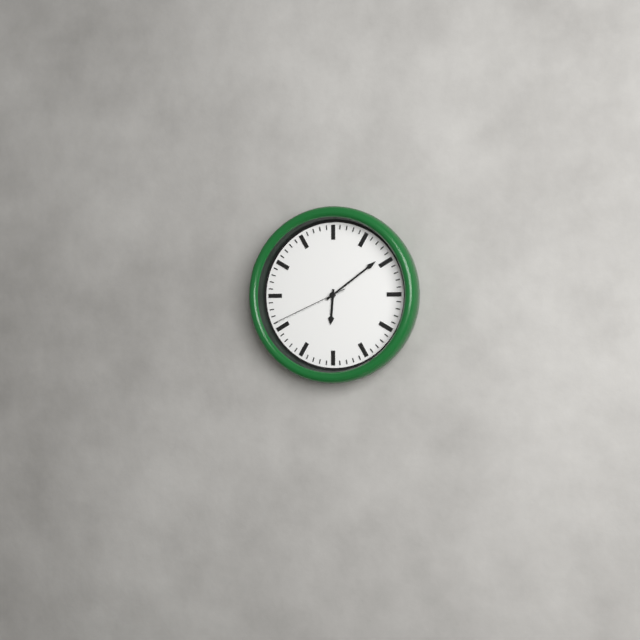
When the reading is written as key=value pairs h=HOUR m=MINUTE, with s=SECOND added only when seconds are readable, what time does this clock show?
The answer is h=6 m=9 s=41
